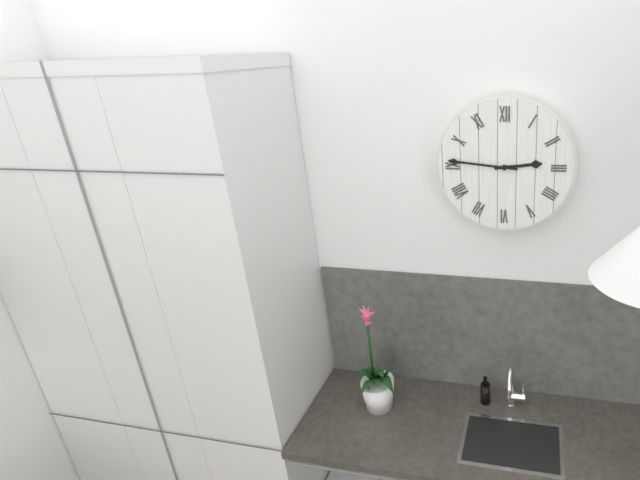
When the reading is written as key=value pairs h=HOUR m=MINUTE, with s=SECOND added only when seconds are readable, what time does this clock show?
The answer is h=2 m=46
